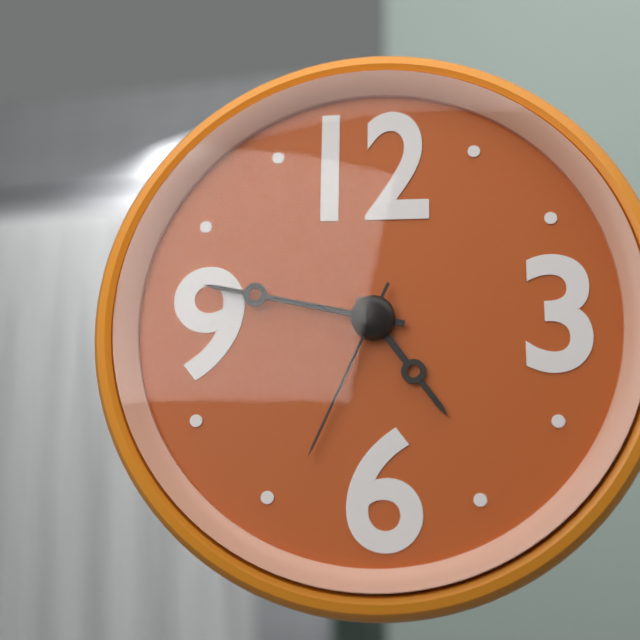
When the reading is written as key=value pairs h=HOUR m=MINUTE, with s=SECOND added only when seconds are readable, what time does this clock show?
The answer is h=4 m=47 s=34
